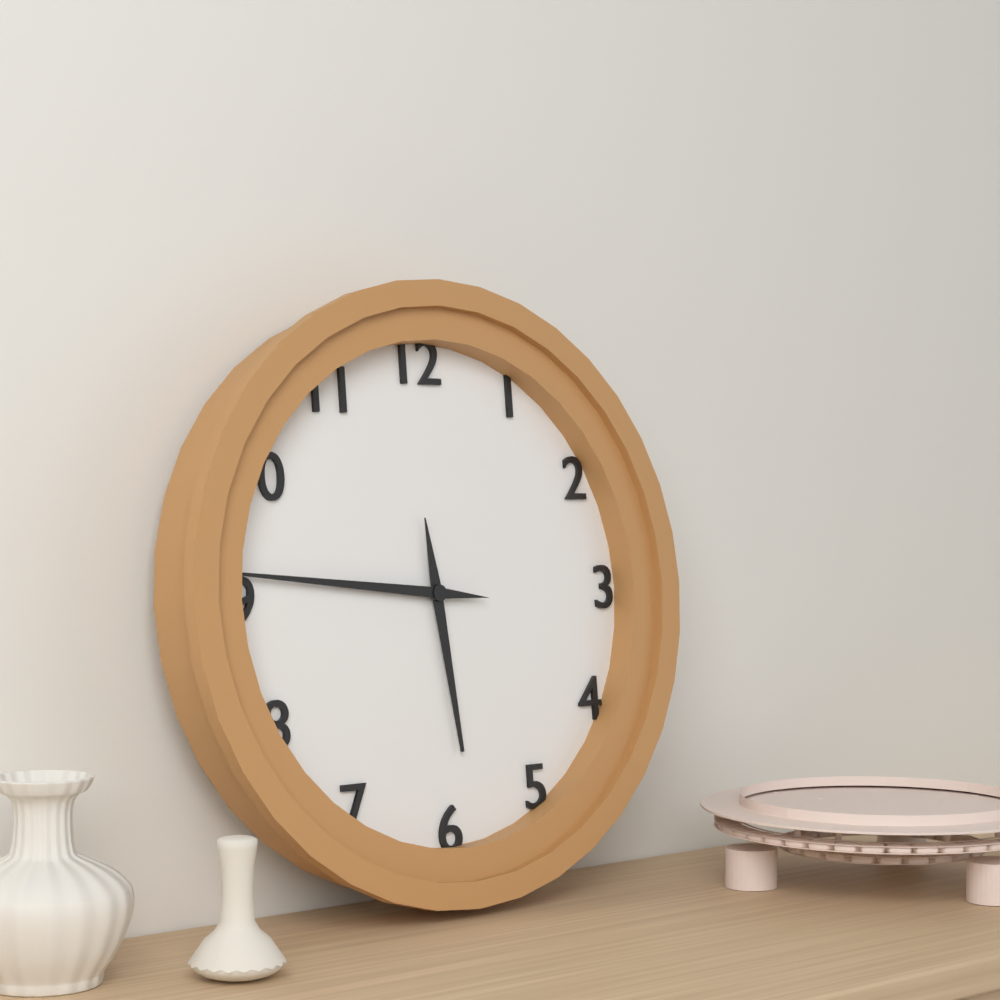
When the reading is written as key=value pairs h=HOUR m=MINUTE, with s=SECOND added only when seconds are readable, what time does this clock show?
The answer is h=5 m=46
